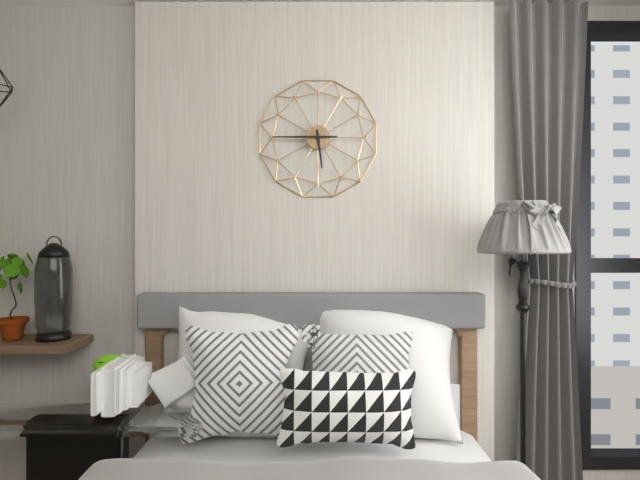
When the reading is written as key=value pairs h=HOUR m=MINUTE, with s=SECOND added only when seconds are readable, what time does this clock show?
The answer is h=5 m=45
